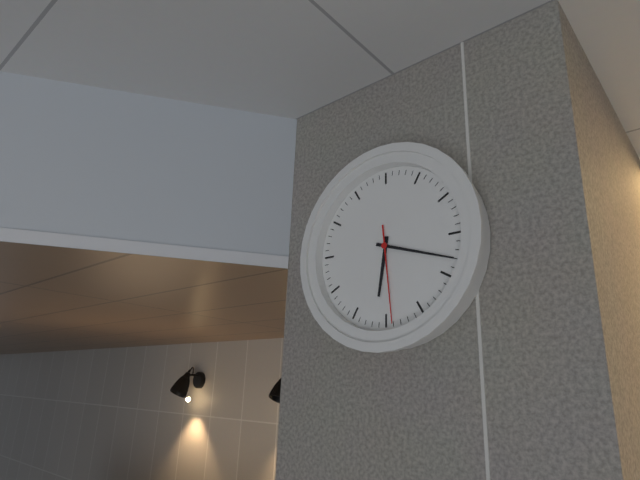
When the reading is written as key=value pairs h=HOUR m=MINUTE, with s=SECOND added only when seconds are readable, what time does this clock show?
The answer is h=6 m=18 s=29
